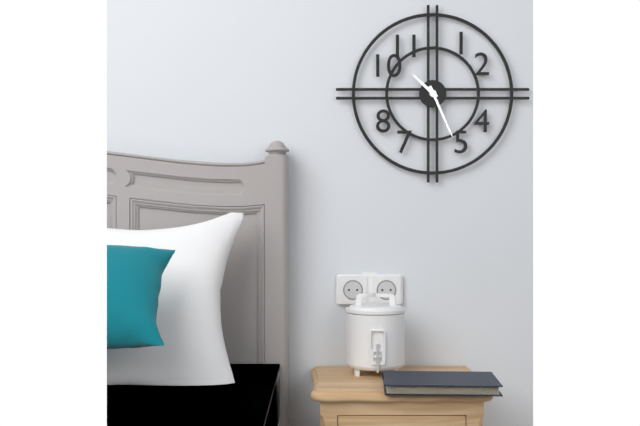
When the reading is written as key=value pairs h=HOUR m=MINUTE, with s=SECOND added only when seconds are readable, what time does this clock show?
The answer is h=10 m=26
